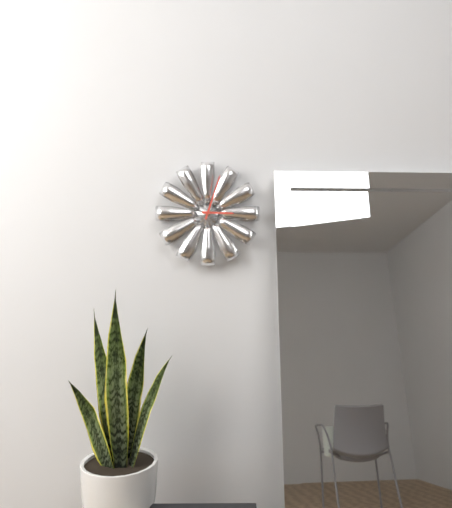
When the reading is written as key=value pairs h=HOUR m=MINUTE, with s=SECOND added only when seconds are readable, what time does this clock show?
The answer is h=3 m=3
